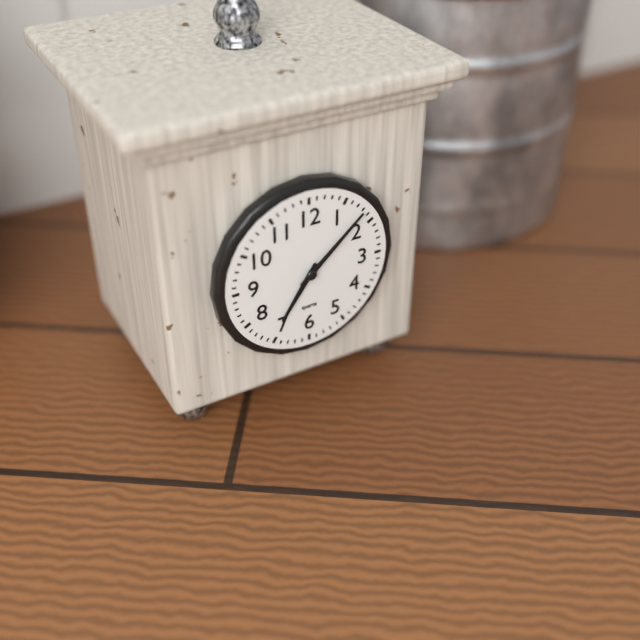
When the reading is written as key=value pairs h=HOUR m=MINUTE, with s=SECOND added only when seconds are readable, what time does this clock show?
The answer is h=7 m=8
